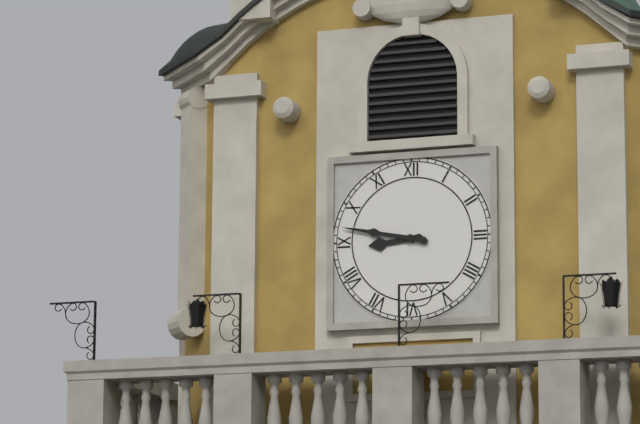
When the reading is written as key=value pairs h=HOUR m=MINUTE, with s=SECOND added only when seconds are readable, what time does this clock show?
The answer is h=8 m=47
